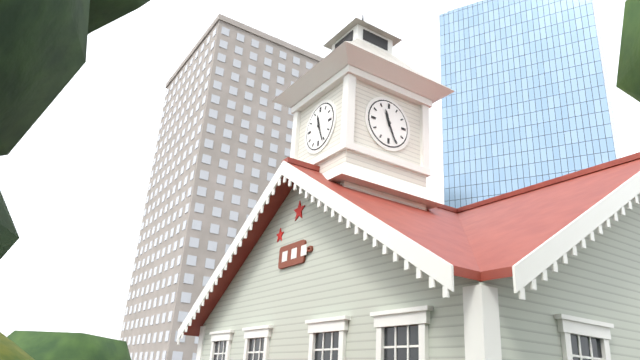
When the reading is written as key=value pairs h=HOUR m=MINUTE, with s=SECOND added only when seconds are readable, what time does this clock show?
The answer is h=11 m=26
